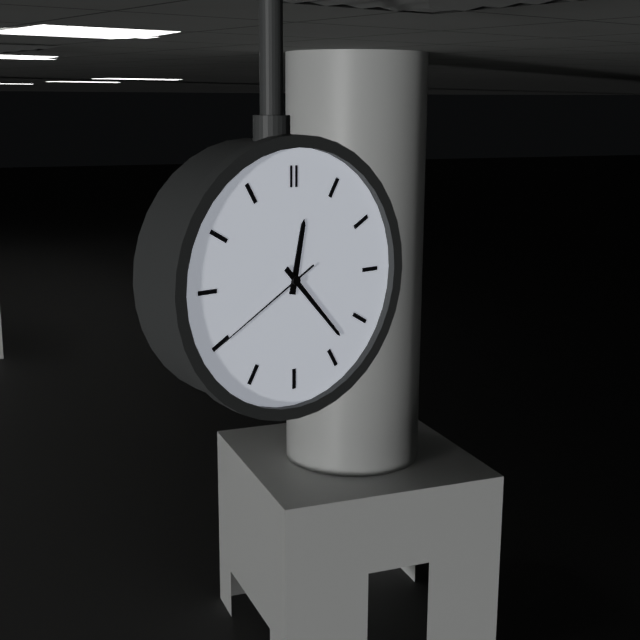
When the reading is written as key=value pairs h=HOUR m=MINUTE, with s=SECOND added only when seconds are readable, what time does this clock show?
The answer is h=12 m=23 s=40
